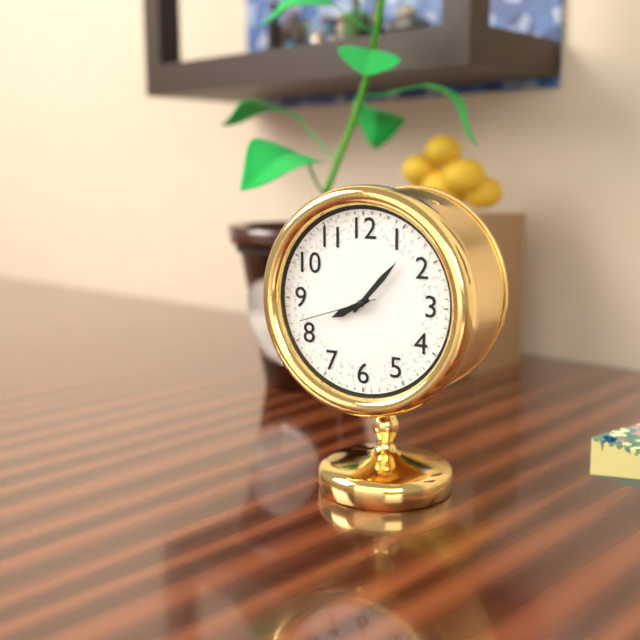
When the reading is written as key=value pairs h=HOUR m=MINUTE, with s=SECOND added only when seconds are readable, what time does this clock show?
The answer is h=8 m=7 s=42
